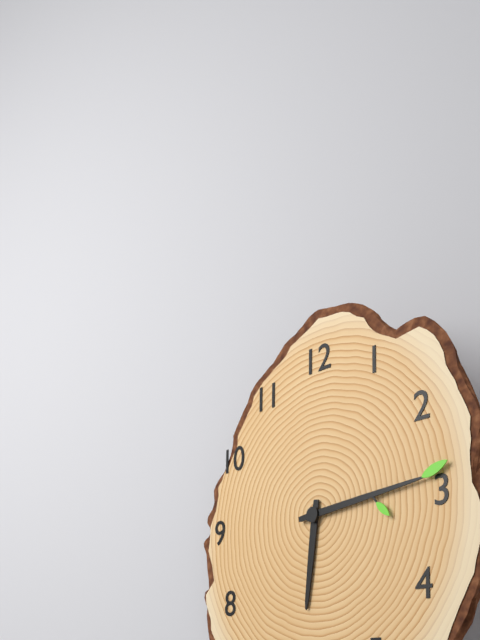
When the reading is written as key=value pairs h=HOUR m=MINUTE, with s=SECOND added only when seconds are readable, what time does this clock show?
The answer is h=6 m=14
